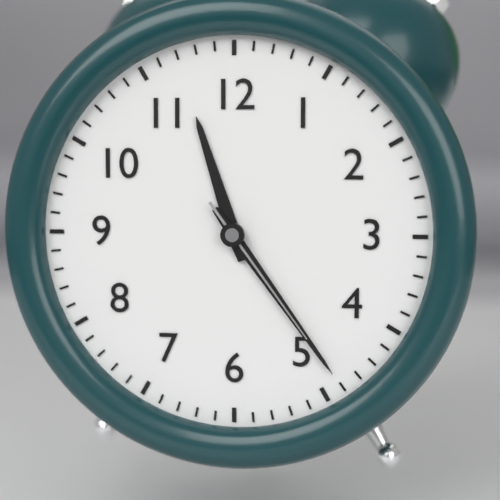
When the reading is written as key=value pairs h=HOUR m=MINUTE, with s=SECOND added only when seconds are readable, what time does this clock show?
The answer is h=11 m=24 s=24
